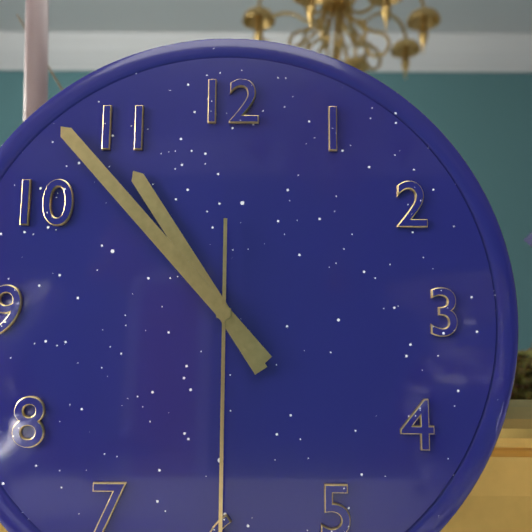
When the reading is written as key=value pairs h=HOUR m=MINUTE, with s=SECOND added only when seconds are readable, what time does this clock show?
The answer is h=10 m=53
